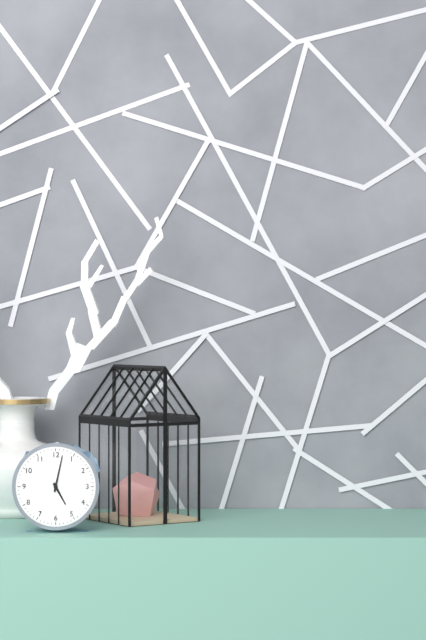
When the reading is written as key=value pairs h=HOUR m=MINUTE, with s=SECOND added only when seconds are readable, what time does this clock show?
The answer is h=5 m=2
